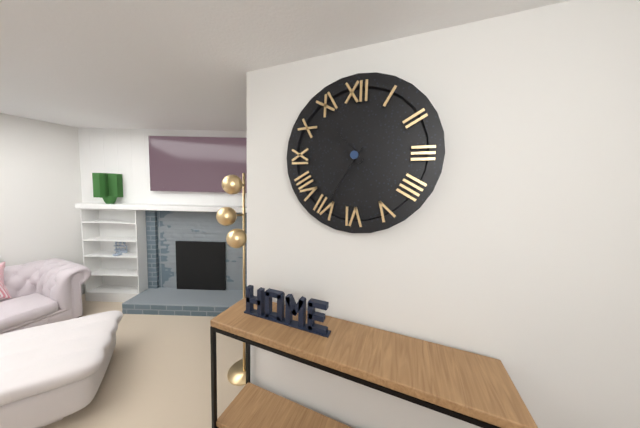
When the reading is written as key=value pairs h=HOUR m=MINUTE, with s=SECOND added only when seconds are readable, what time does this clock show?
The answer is h=10 m=35
